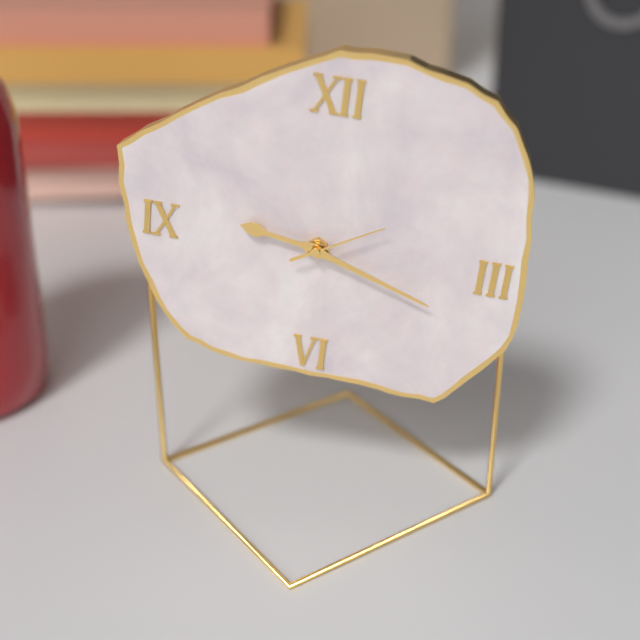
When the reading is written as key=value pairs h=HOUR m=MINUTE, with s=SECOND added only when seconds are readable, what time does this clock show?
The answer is h=9 m=18 s=10
